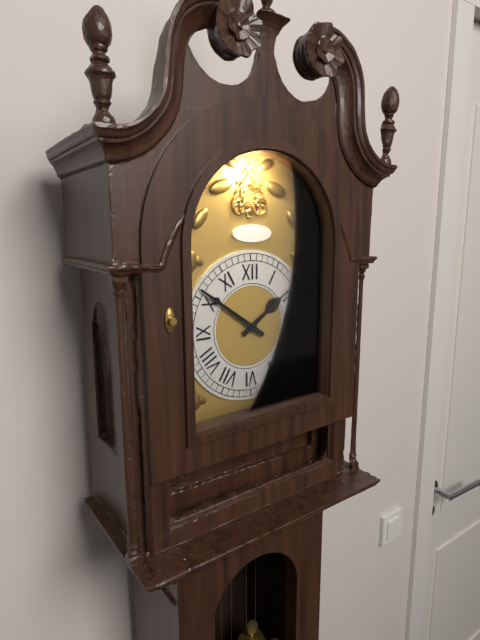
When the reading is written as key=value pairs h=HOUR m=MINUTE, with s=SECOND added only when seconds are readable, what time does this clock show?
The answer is h=1 m=51
